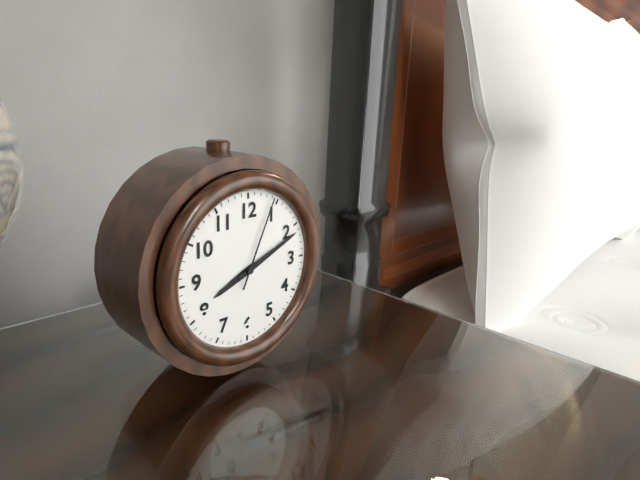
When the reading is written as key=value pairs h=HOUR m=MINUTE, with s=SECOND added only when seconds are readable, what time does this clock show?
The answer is h=8 m=11 s=4
